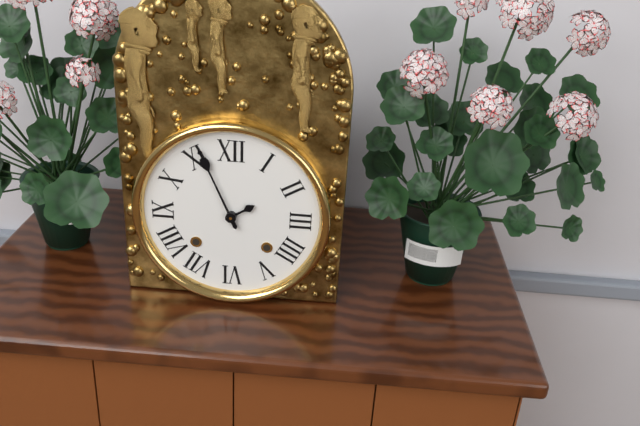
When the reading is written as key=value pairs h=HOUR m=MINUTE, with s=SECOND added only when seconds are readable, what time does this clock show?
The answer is h=1 m=56
